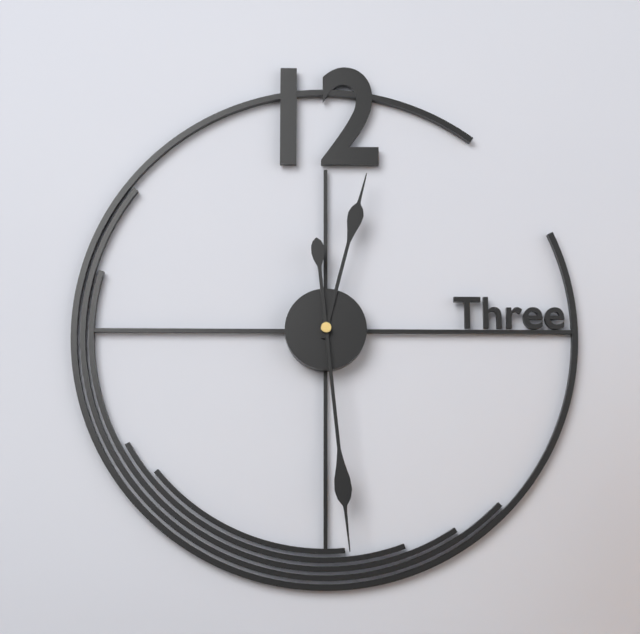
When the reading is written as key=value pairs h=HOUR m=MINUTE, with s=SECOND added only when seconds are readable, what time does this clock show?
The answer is h=12 m=29
